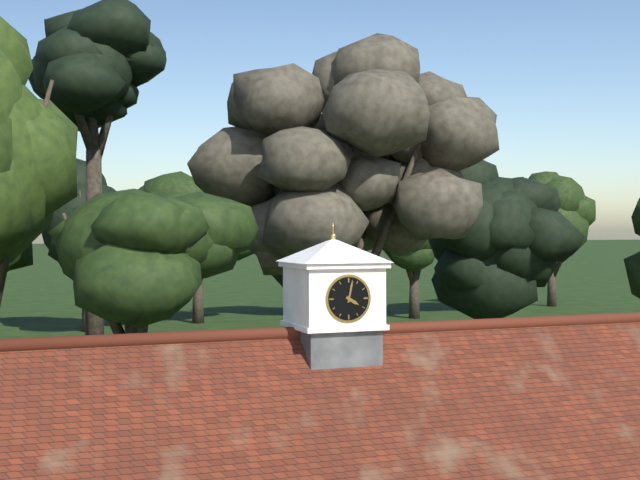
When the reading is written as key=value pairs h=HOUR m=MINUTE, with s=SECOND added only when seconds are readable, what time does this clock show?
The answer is h=4 m=2
